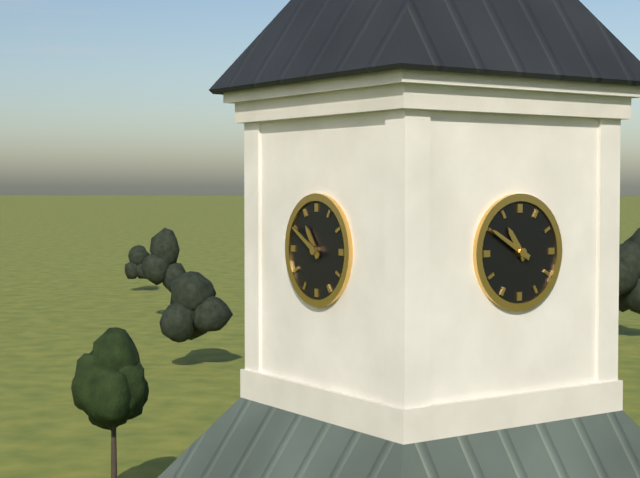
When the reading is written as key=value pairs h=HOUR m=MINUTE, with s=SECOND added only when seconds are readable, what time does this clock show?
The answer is h=10 m=50
